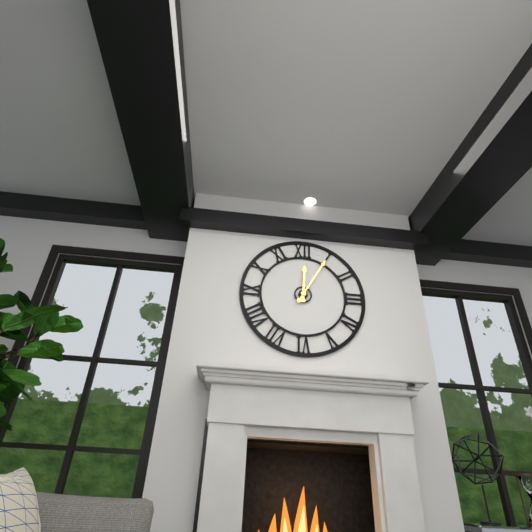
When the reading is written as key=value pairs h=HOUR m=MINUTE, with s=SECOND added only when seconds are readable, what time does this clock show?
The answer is h=12 m=5
